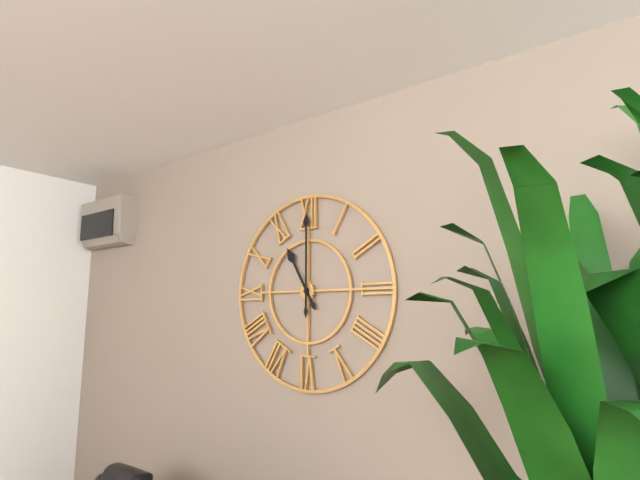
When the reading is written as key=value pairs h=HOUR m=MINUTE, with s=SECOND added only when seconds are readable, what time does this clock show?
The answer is h=11 m=0
